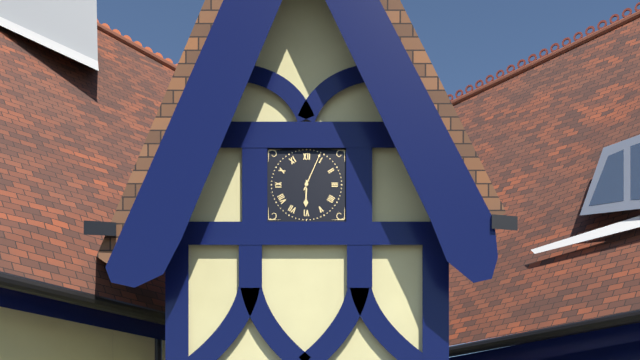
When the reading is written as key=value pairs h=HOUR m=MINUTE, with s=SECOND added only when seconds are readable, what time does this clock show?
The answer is h=6 m=4
